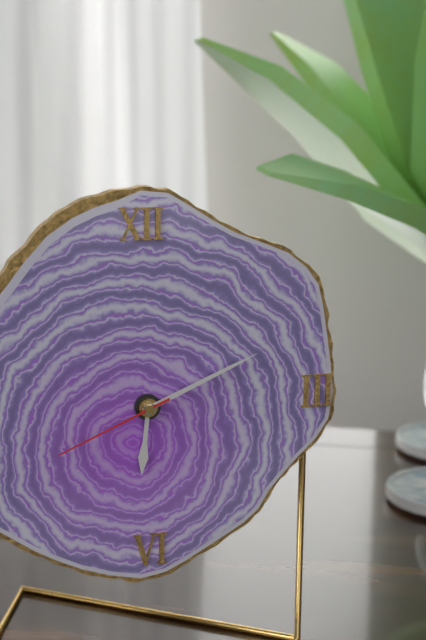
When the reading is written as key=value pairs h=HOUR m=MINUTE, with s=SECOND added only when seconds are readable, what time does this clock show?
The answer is h=6 m=11 s=41
